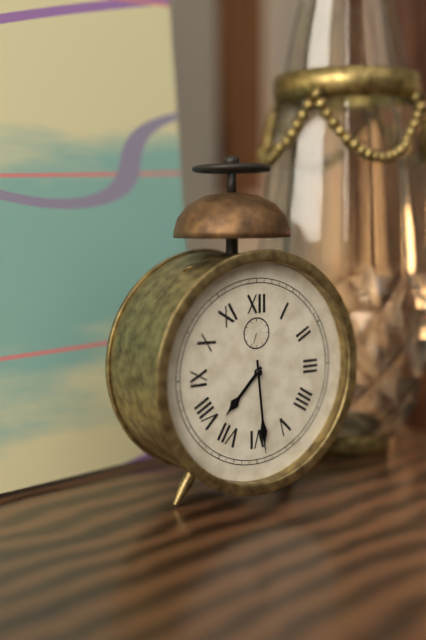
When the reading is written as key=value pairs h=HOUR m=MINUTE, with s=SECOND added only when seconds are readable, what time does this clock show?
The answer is h=7 m=29
